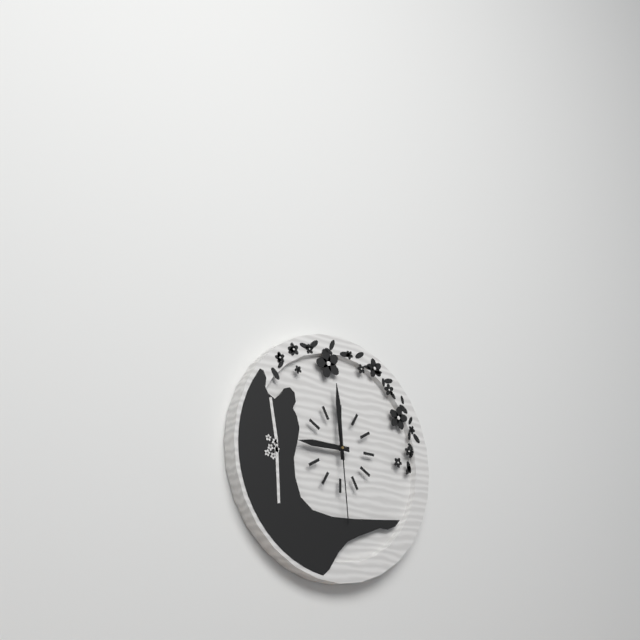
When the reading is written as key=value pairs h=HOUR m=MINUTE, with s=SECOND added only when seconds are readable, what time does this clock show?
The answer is h=8 m=59 s=29
